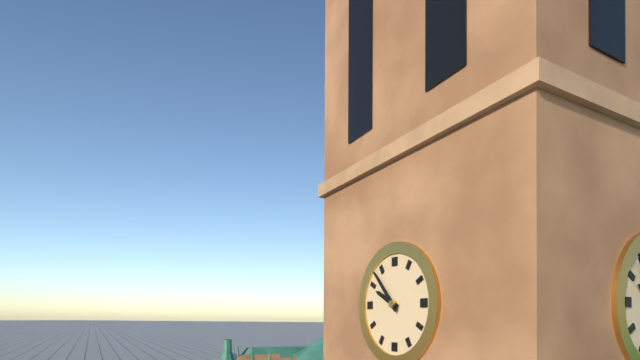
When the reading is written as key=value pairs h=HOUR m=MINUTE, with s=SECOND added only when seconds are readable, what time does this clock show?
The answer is h=9 m=53
